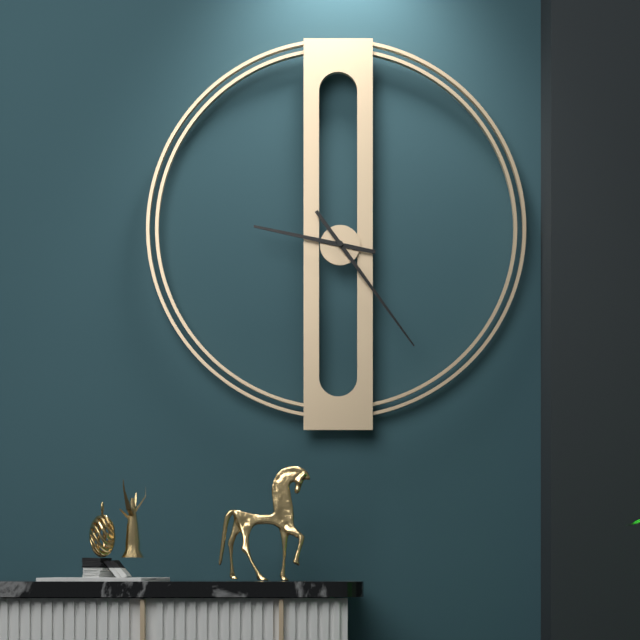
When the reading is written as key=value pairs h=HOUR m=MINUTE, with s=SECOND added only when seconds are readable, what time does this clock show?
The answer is h=9 m=24
